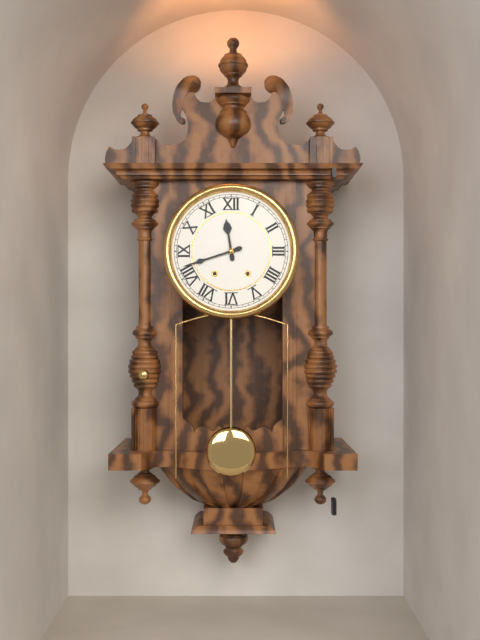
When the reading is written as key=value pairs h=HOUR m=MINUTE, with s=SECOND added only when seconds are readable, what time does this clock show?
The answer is h=11 m=42
